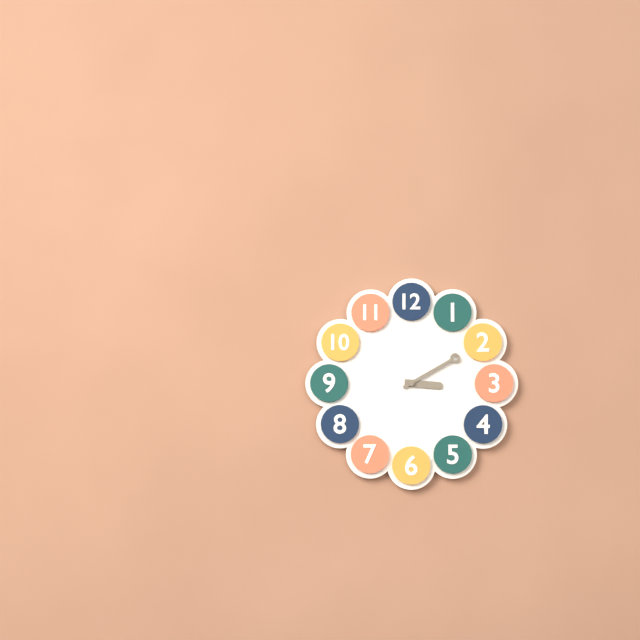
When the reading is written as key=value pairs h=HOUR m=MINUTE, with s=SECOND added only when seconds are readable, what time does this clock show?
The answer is h=3 m=10
